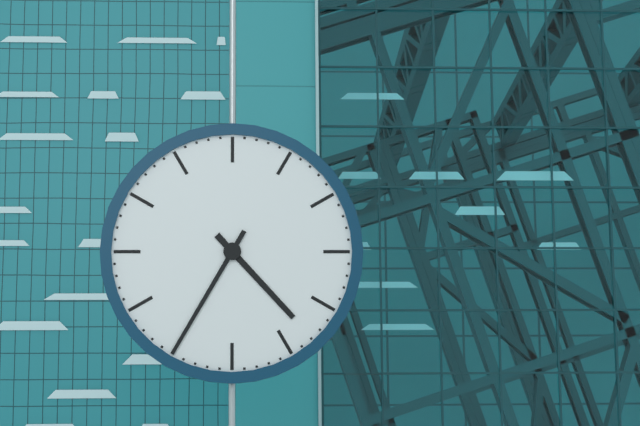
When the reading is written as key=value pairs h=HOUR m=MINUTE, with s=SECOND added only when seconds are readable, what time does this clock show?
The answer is h=4 m=35
